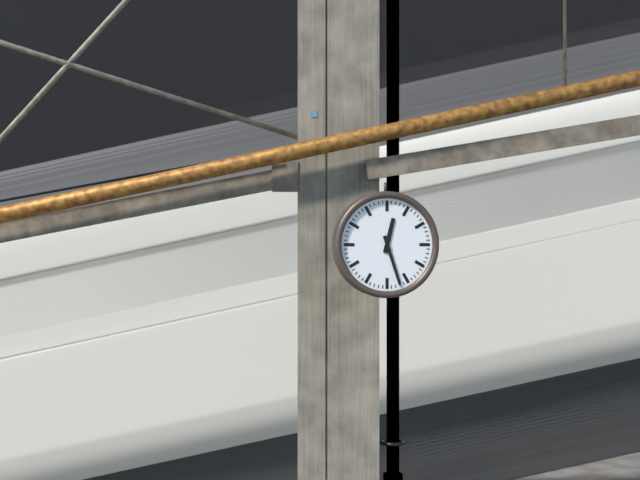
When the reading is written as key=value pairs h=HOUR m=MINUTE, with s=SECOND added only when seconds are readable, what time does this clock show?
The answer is h=12 m=27
